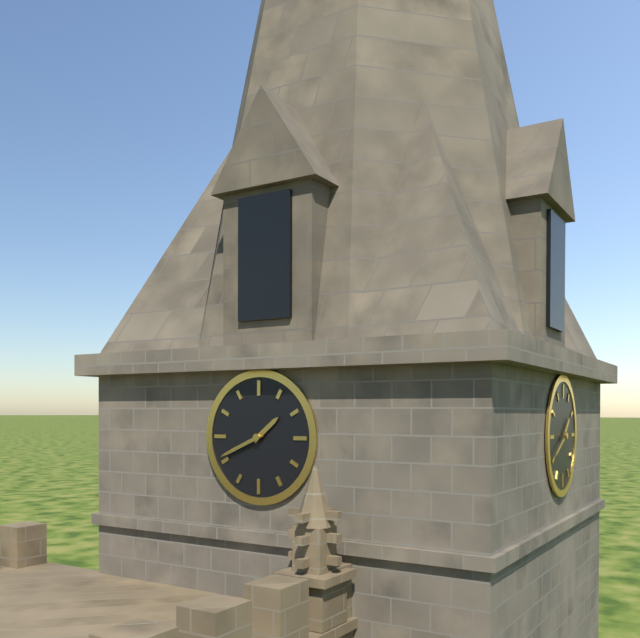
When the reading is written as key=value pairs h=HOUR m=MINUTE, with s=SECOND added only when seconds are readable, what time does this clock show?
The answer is h=1 m=41
